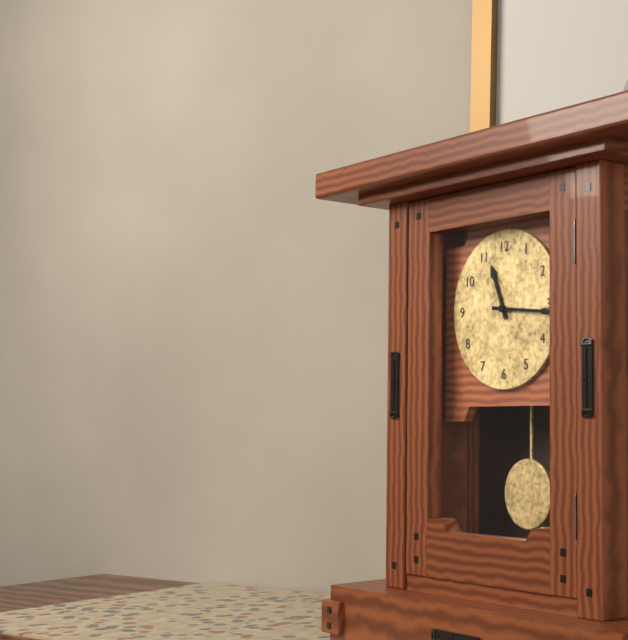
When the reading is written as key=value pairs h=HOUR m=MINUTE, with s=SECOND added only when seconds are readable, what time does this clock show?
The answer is h=11 m=16
